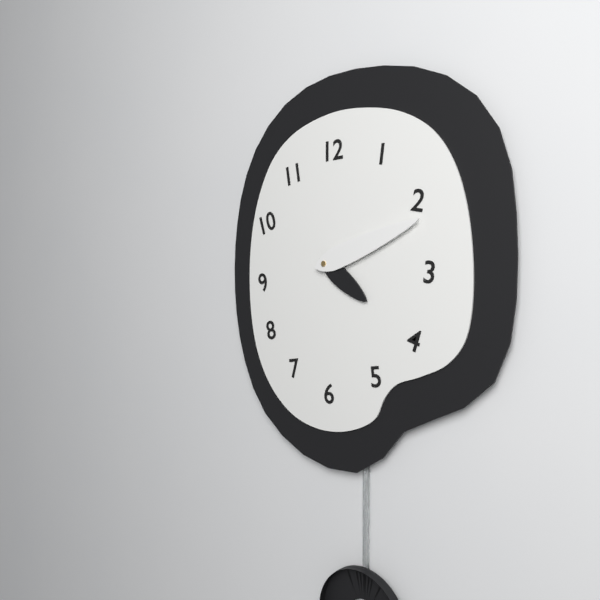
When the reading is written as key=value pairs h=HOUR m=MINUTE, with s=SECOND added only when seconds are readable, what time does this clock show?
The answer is h=4 m=12
